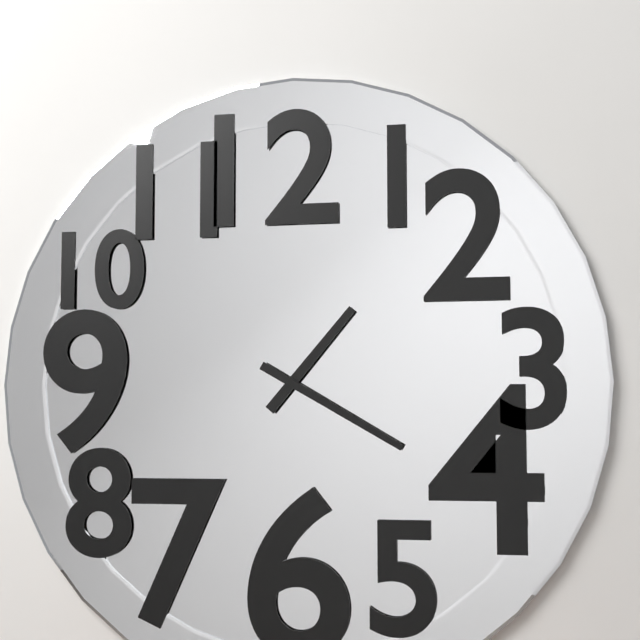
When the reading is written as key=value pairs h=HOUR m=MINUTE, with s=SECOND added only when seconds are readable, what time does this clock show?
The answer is h=1 m=20
